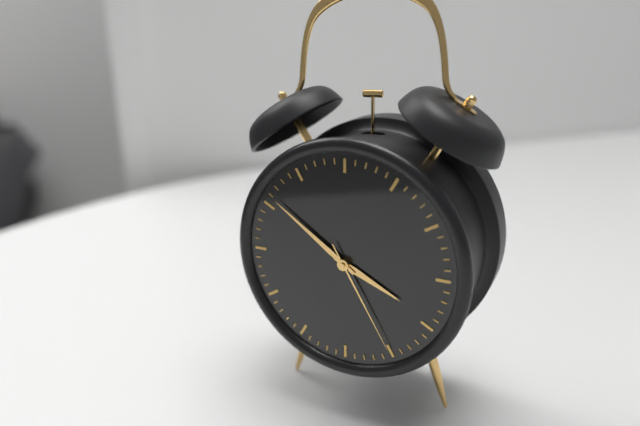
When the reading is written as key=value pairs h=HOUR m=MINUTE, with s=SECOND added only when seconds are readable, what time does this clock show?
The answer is h=3 m=51 s=25
